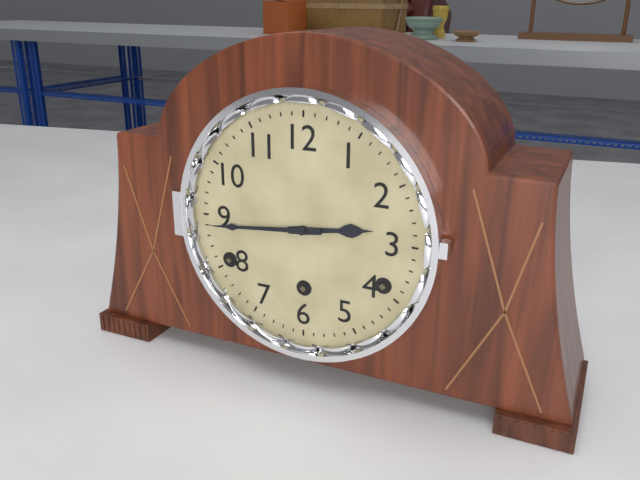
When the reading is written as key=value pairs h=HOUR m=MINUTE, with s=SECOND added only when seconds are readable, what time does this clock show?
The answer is h=2 m=44
